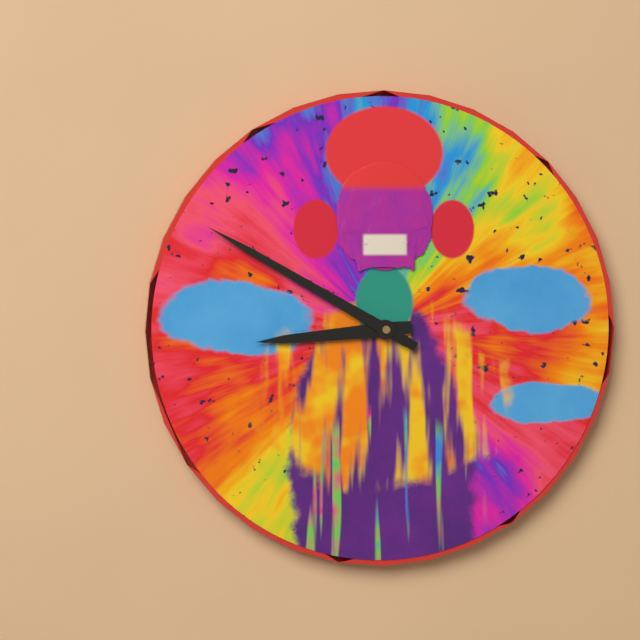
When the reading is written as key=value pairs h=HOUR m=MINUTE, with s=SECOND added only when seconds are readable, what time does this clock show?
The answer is h=8 m=50
